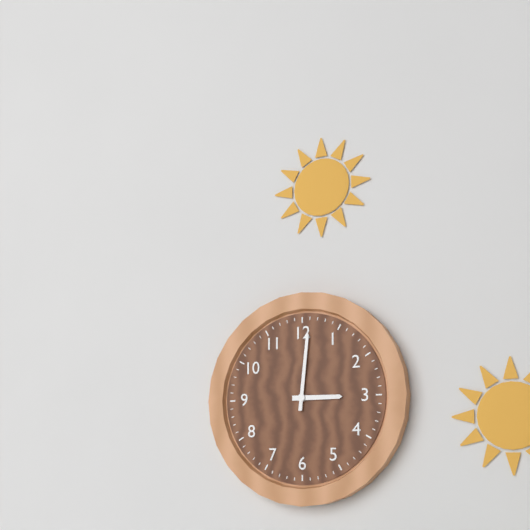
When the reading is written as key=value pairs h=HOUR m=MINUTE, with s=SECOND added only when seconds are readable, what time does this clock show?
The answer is h=3 m=1
